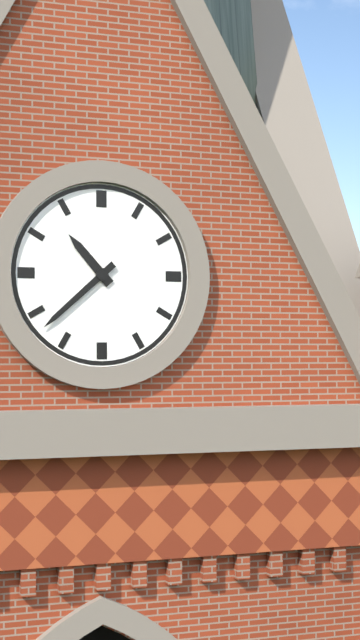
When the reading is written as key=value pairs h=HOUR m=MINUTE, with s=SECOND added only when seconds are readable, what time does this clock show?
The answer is h=10 m=38
